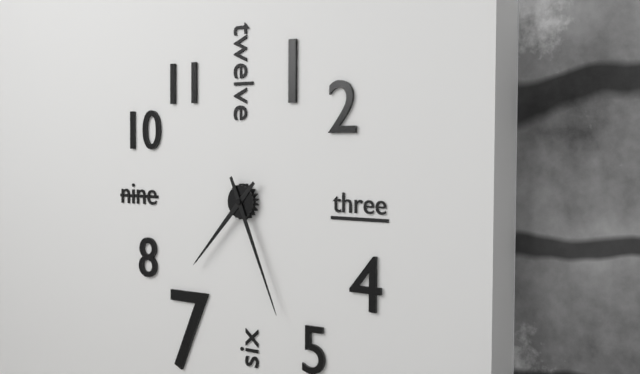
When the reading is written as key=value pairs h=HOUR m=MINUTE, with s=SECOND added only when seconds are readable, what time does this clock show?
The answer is h=7 m=26
